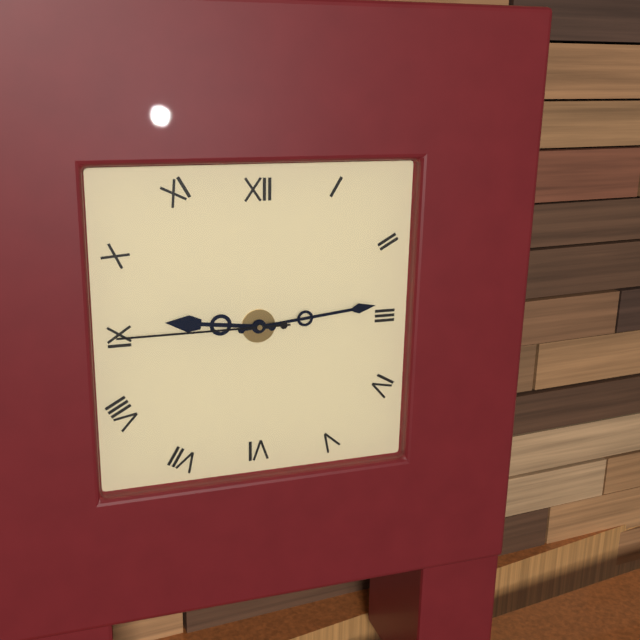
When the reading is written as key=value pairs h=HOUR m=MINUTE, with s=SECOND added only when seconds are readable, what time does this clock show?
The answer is h=9 m=14 s=45
